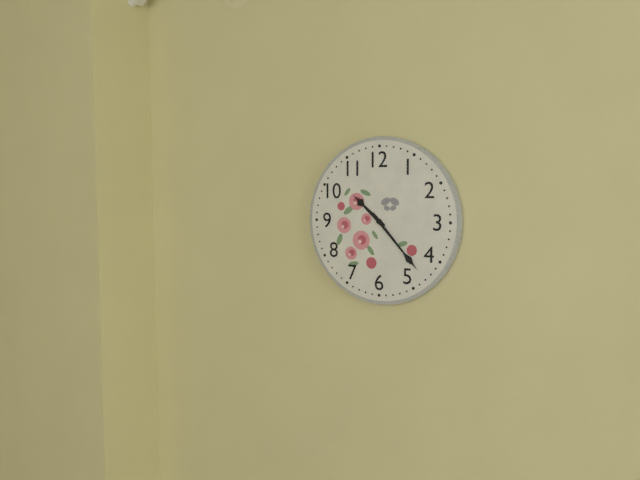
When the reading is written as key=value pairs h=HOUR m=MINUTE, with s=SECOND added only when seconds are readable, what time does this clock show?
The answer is h=10 m=23
